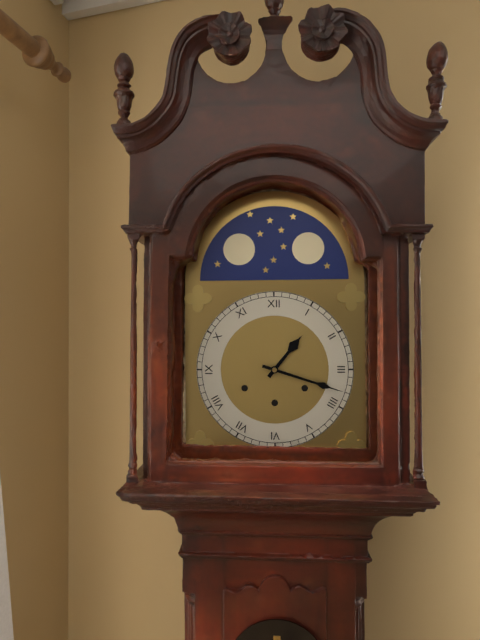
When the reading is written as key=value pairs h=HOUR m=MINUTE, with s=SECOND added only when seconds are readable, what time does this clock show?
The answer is h=1 m=18
